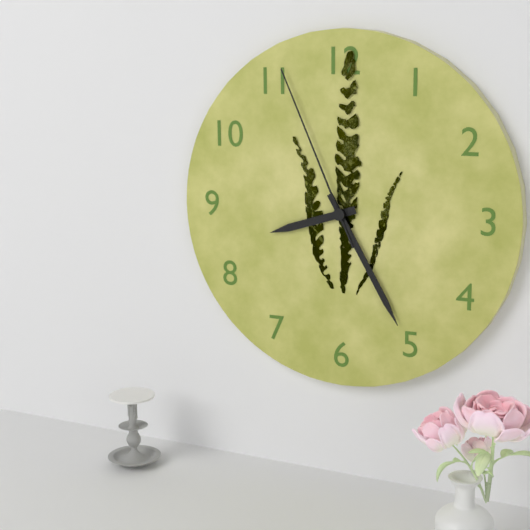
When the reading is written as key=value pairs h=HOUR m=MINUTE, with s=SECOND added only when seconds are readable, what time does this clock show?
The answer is h=8 m=25 s=56
